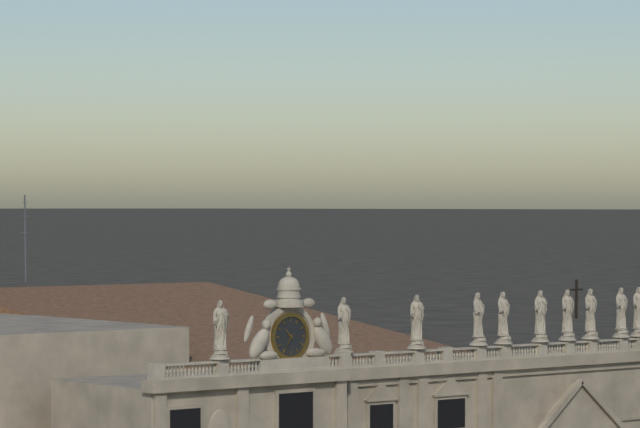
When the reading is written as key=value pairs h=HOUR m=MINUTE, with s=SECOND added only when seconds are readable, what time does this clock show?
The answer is h=10 m=35
